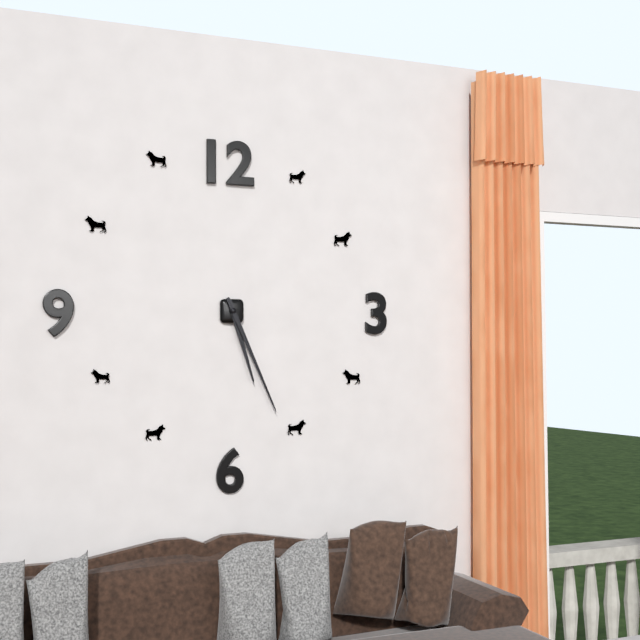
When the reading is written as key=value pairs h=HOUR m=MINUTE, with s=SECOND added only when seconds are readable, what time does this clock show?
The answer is h=5 m=26
